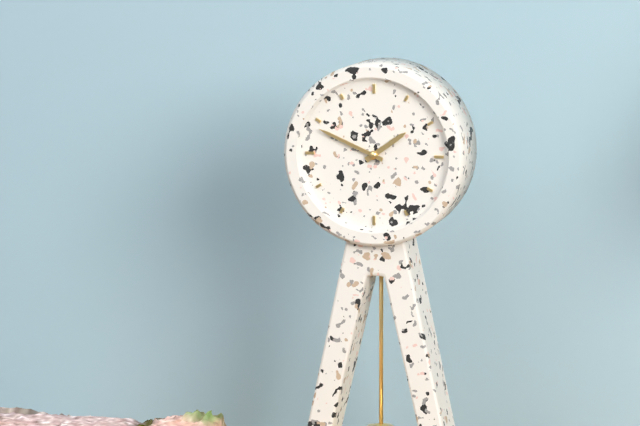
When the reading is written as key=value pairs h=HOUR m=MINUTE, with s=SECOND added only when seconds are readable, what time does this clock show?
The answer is h=1 m=49
